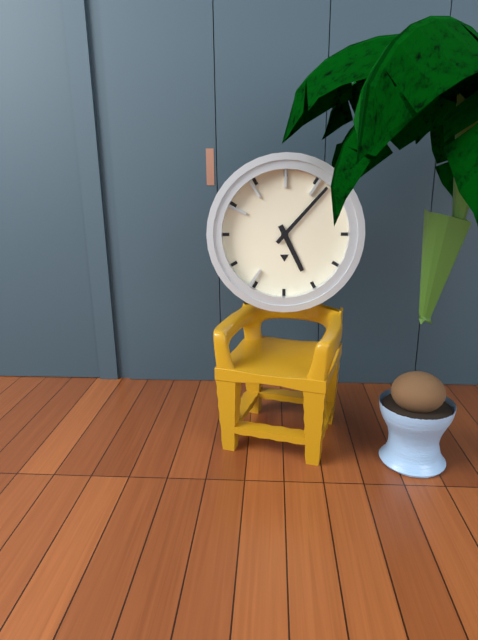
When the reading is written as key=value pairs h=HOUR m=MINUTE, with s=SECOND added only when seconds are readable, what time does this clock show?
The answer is h=5 m=7
